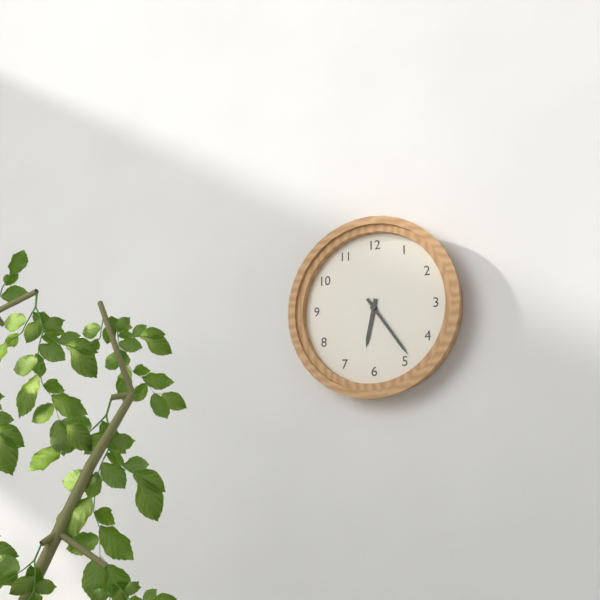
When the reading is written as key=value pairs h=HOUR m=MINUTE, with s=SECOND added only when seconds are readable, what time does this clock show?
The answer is h=6 m=24
